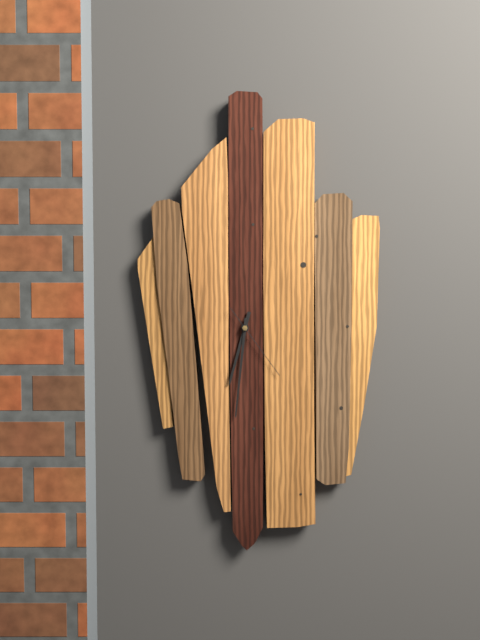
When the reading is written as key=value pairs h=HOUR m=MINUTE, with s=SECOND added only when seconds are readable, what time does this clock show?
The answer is h=6 m=31 s=24
